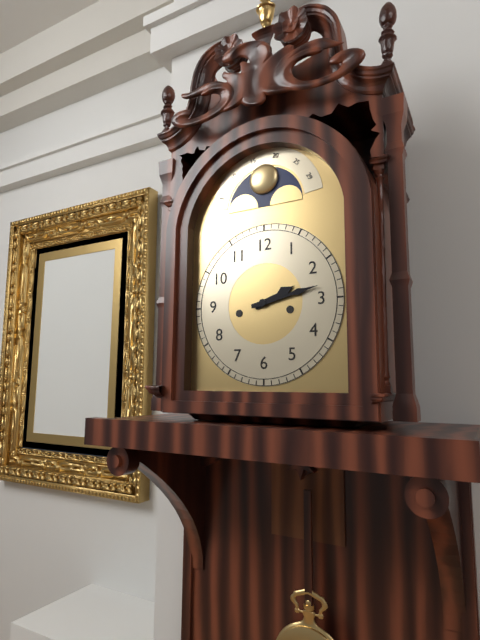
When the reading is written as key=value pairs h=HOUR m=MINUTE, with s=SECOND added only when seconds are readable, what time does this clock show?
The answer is h=2 m=13
